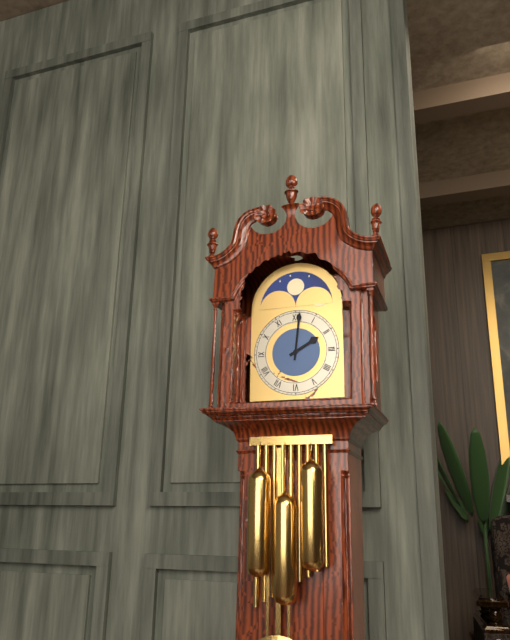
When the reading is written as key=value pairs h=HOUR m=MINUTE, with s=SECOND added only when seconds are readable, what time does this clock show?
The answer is h=2 m=1
